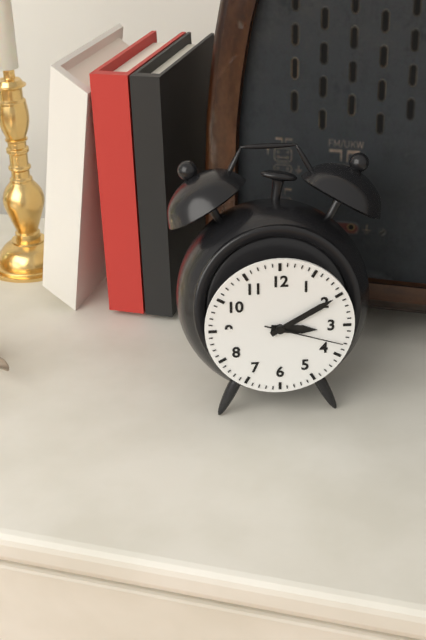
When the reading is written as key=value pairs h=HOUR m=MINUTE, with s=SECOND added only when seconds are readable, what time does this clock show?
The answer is h=3 m=10 s=18
